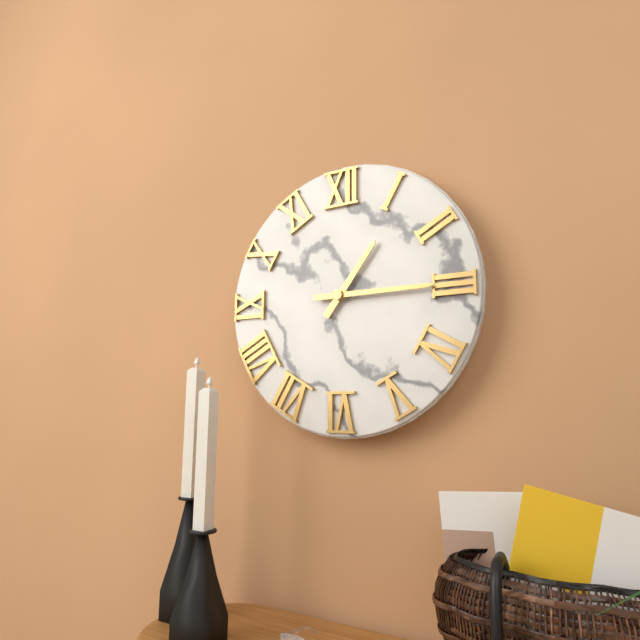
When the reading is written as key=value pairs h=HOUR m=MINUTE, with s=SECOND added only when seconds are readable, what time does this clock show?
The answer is h=1 m=15
